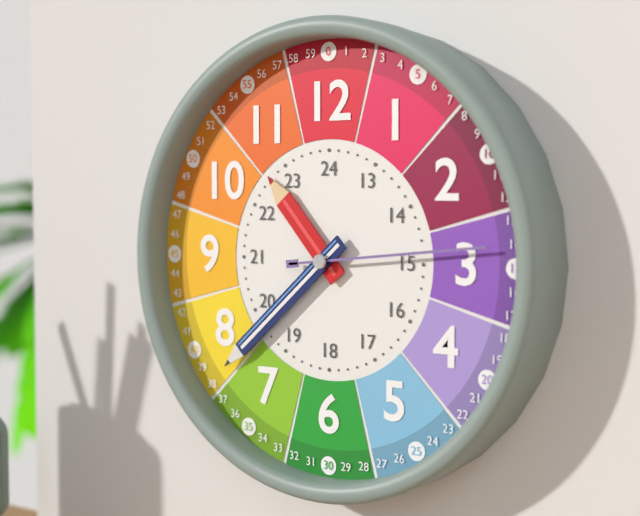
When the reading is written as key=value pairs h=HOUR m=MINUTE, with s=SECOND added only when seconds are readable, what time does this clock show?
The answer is h=10 m=38 s=14
